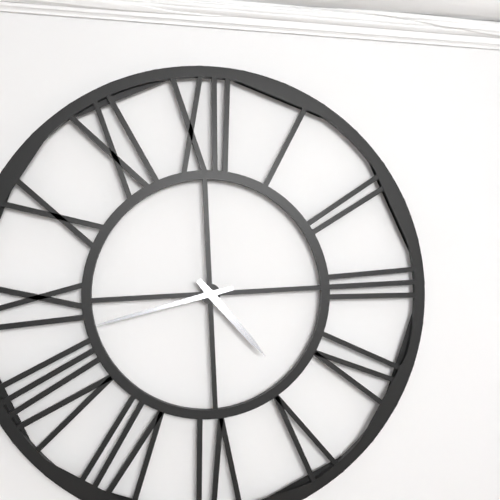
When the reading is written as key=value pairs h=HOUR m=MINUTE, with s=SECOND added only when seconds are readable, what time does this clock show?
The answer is h=4 m=43
